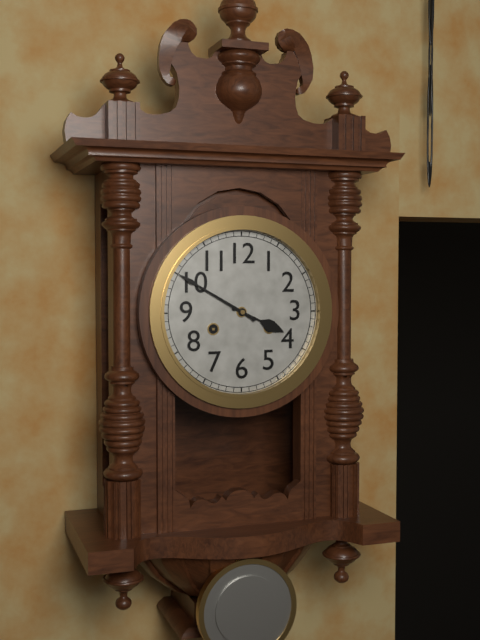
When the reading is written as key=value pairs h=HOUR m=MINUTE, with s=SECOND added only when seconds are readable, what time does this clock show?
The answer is h=3 m=50
